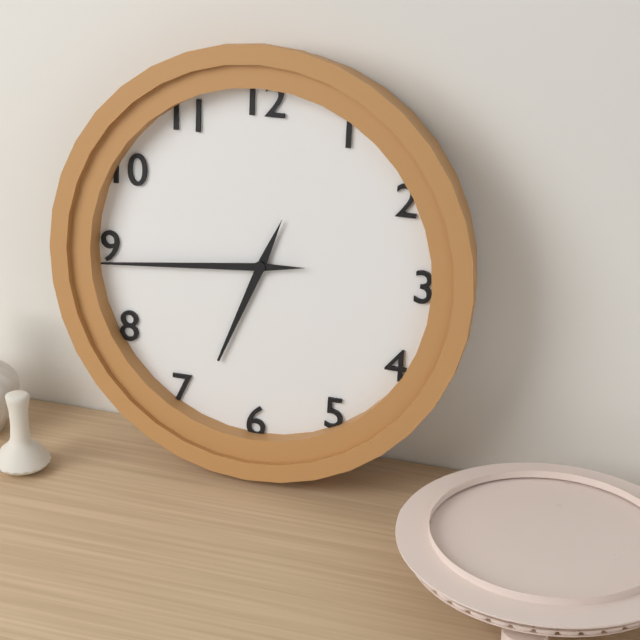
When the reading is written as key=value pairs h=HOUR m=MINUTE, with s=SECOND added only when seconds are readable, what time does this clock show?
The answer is h=6 m=44
